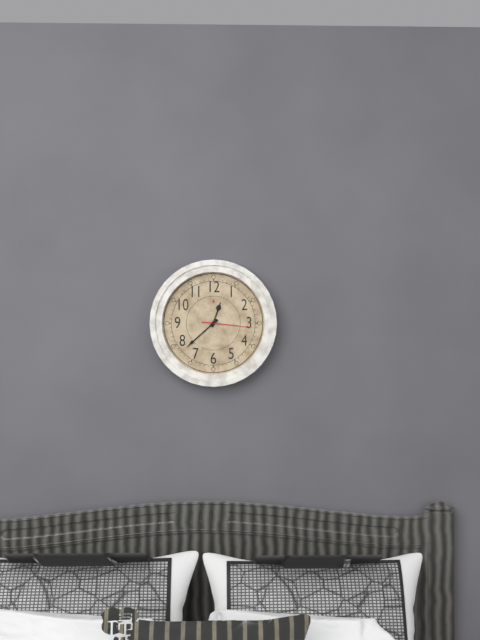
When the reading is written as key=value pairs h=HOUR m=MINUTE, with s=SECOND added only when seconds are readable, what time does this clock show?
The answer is h=12 m=38 s=16
